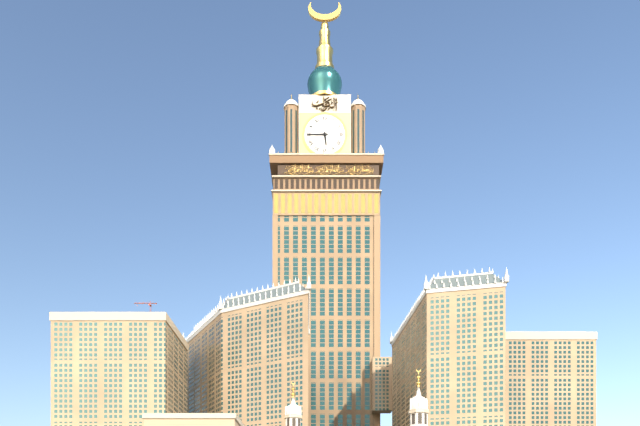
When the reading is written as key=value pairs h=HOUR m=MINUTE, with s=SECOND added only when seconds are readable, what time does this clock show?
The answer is h=5 m=45
